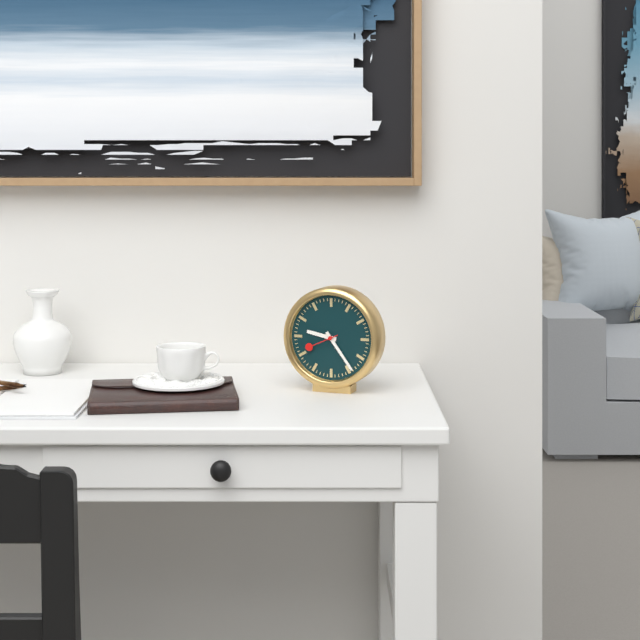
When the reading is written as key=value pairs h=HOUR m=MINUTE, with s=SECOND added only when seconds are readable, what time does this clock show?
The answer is h=9 m=24
